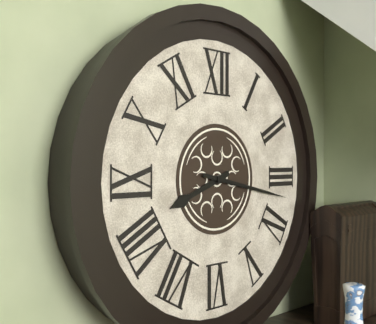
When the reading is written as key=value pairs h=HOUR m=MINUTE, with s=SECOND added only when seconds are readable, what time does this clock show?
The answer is h=8 m=17
